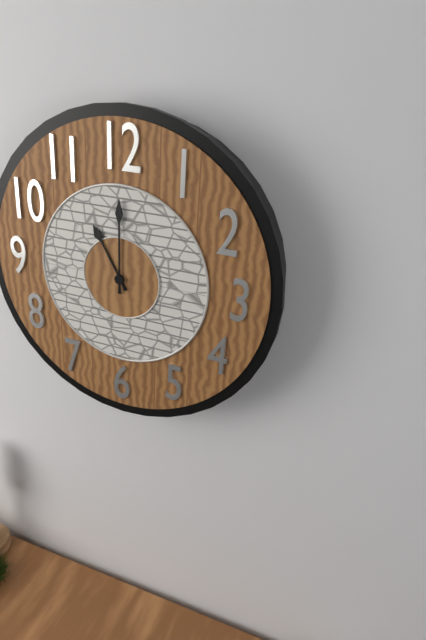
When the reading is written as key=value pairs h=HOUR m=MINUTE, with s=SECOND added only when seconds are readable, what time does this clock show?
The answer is h=11 m=0
